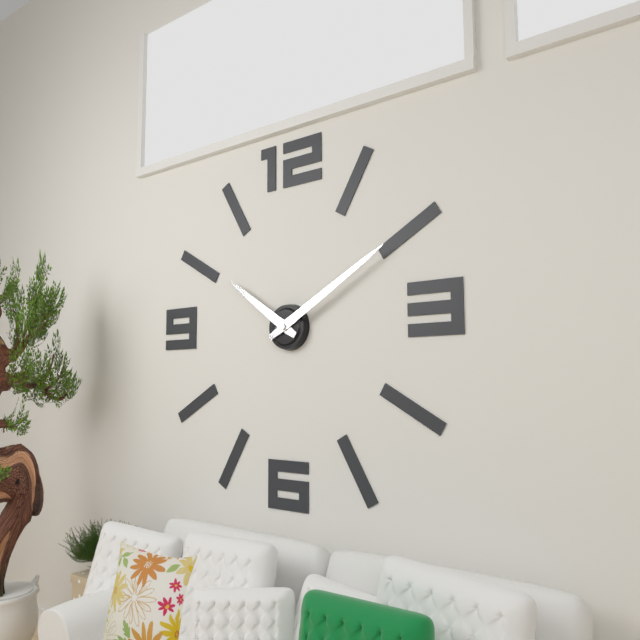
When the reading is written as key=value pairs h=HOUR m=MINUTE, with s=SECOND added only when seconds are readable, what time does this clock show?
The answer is h=10 m=10
